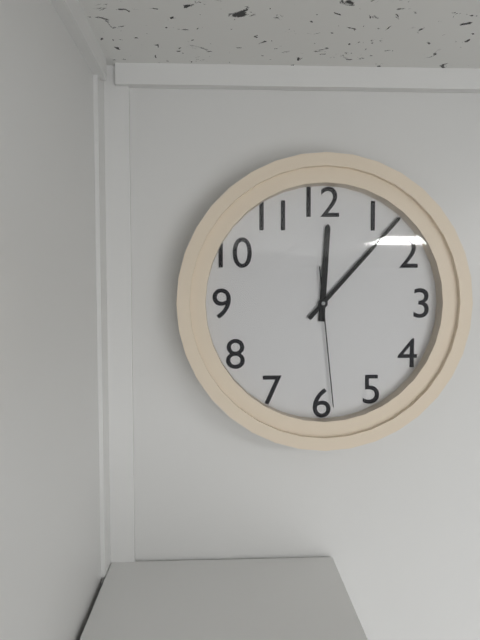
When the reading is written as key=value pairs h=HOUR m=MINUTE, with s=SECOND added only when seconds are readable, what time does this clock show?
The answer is h=12 m=7 s=29
